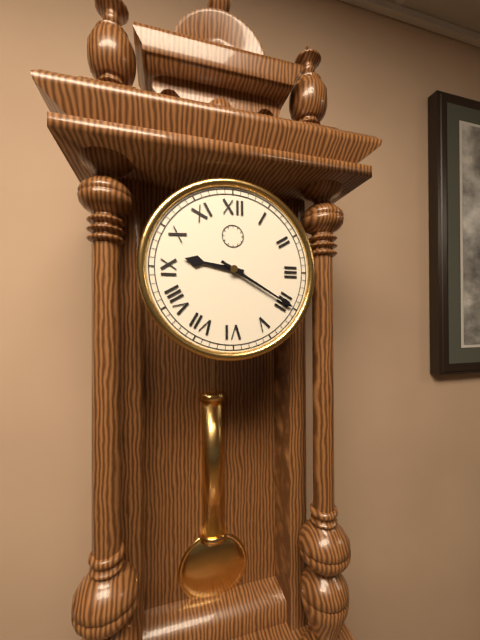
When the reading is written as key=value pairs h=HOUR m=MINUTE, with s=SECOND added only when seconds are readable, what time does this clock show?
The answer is h=9 m=20
